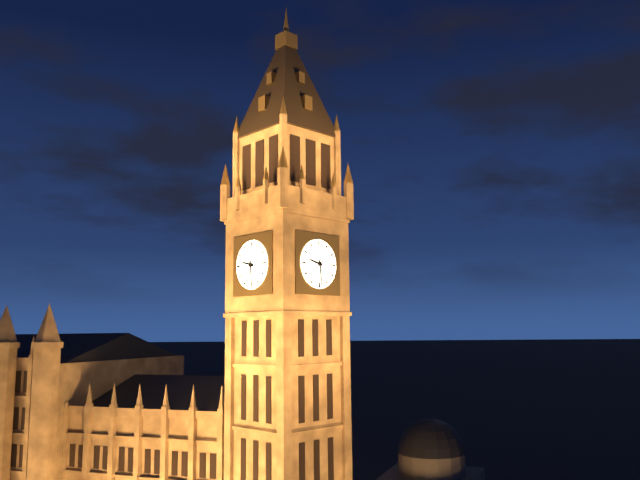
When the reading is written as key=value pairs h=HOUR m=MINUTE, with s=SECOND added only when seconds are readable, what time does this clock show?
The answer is h=9 m=29
